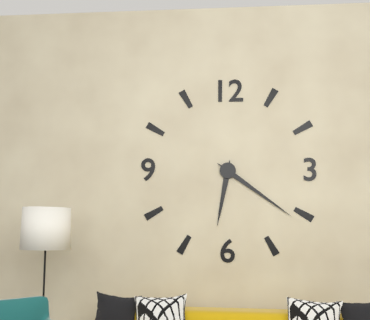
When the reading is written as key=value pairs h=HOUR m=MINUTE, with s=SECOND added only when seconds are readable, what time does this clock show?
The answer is h=6 m=21
